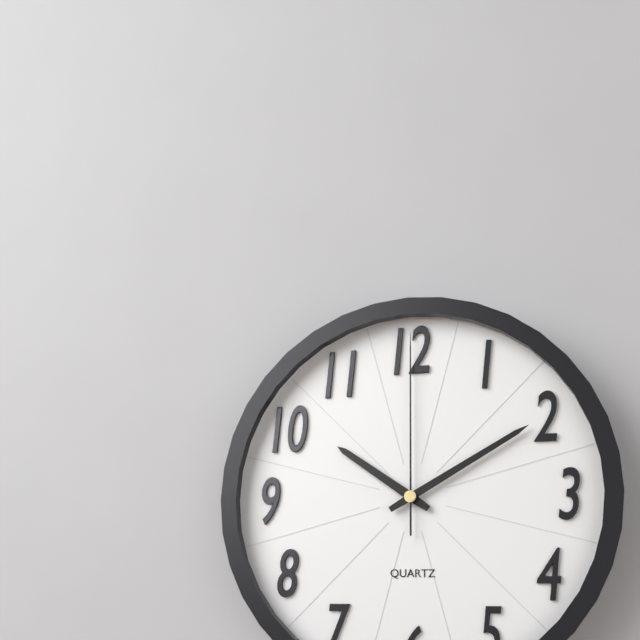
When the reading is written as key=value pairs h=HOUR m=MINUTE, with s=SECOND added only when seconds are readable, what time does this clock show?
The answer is h=10 m=10 s=0
